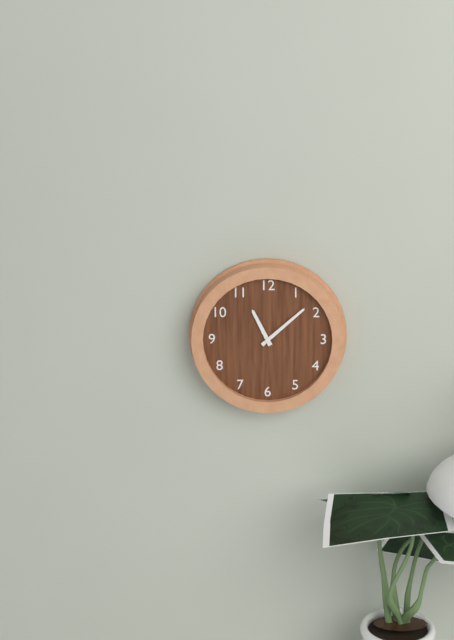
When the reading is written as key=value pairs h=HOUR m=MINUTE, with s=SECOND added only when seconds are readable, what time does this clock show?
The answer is h=11 m=8
